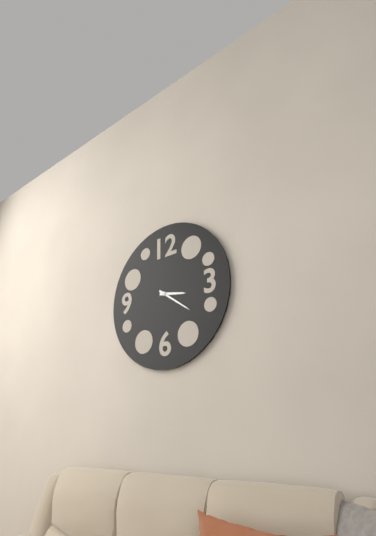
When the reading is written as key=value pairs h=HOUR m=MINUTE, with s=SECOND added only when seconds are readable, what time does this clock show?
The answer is h=3 m=21
